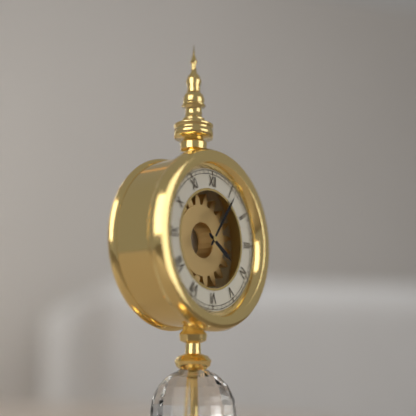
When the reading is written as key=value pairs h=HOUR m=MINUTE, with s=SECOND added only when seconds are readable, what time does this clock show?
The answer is h=4 m=6
